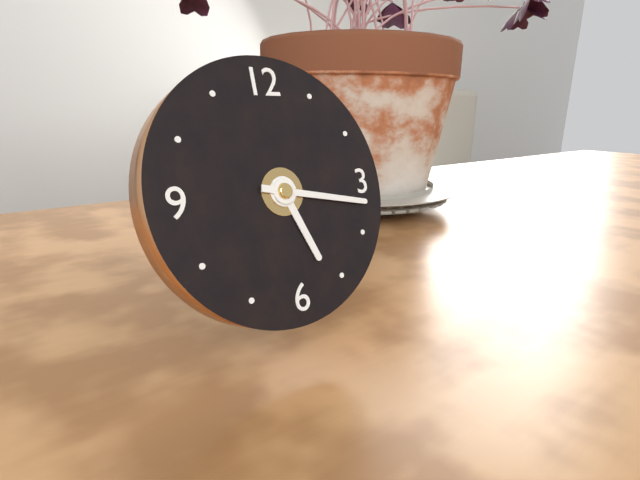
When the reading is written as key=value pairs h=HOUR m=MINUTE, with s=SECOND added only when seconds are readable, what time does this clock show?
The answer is h=5 m=17
